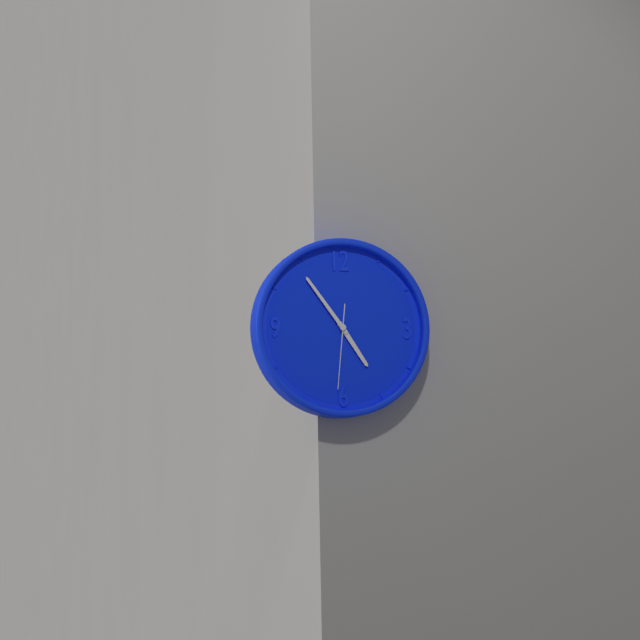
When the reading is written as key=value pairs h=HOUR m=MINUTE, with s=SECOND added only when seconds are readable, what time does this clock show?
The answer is h=4 m=54 s=31
